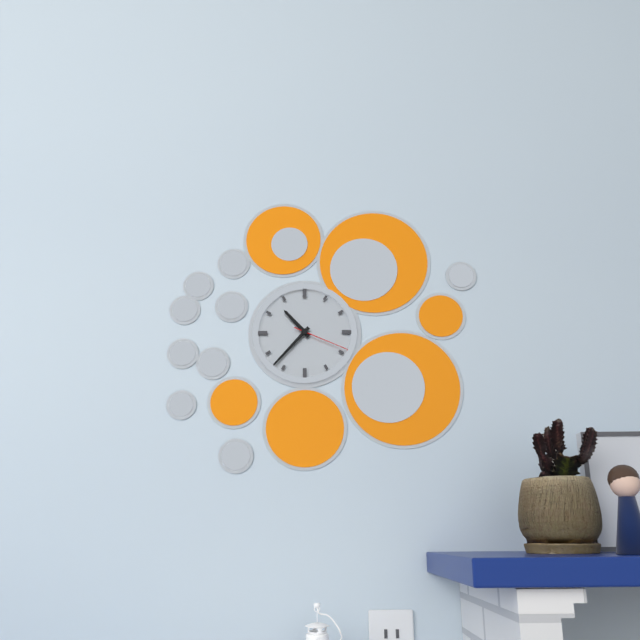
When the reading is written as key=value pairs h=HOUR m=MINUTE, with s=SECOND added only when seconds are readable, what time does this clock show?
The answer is h=10 m=37 s=19
